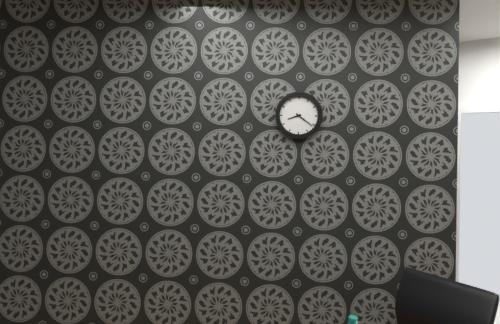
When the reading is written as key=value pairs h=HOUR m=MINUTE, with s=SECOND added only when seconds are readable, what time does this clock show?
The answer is h=8 m=21
